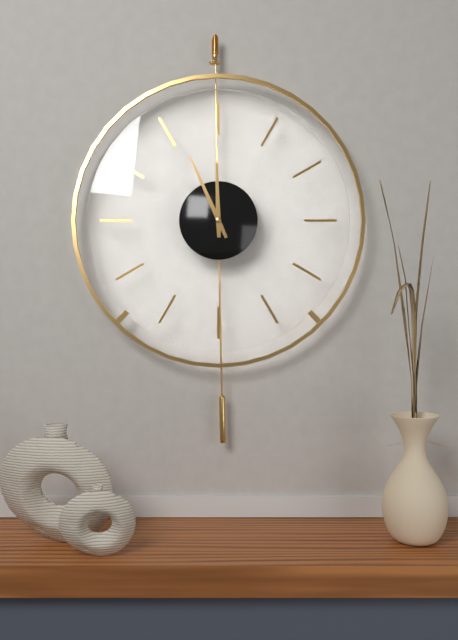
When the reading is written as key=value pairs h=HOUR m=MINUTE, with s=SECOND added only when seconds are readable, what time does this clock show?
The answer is h=11 m=56
